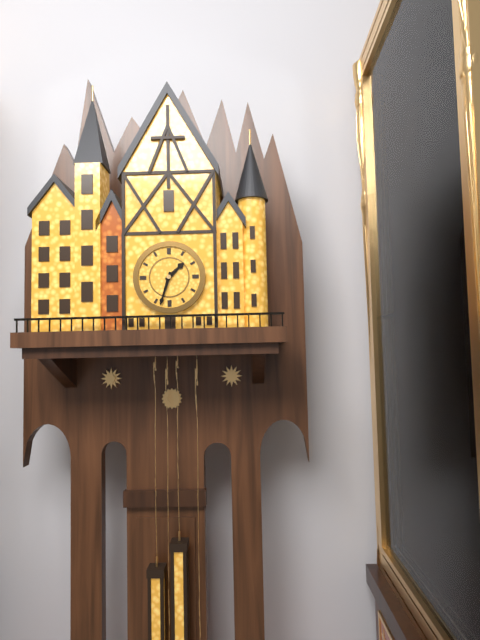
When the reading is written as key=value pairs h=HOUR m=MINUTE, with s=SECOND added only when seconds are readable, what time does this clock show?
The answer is h=1 m=33
